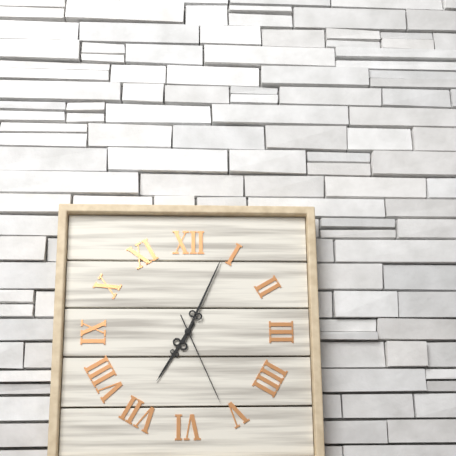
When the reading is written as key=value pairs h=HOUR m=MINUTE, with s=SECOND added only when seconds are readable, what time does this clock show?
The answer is h=7 m=4 s=26
